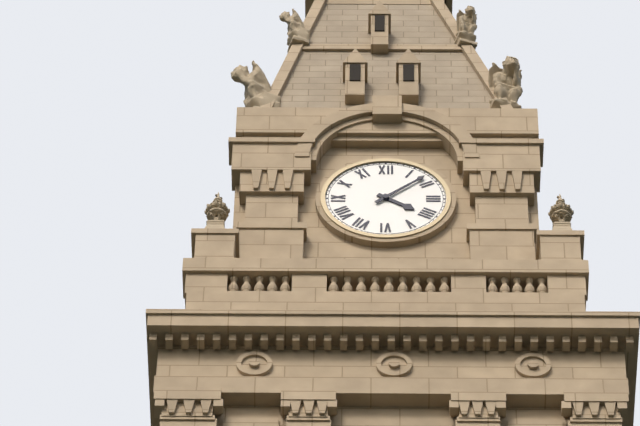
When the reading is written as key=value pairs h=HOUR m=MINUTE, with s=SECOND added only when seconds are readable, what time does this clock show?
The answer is h=4 m=8
